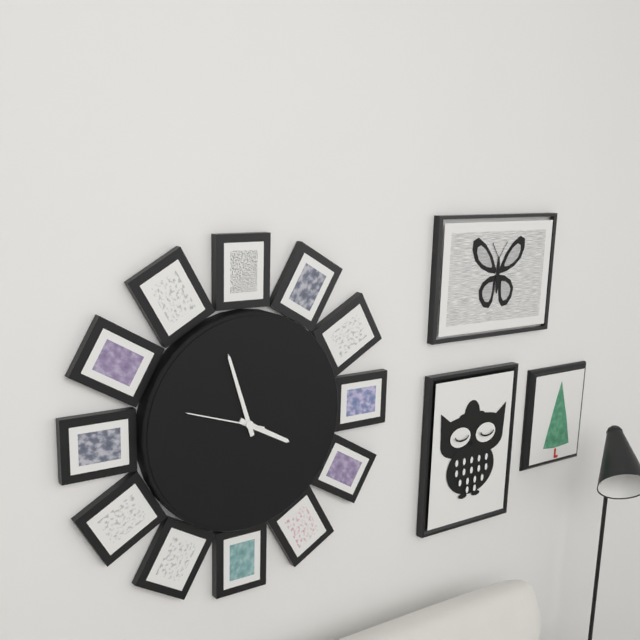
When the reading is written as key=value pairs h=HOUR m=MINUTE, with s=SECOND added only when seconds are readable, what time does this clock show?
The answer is h=3 m=57 s=48
